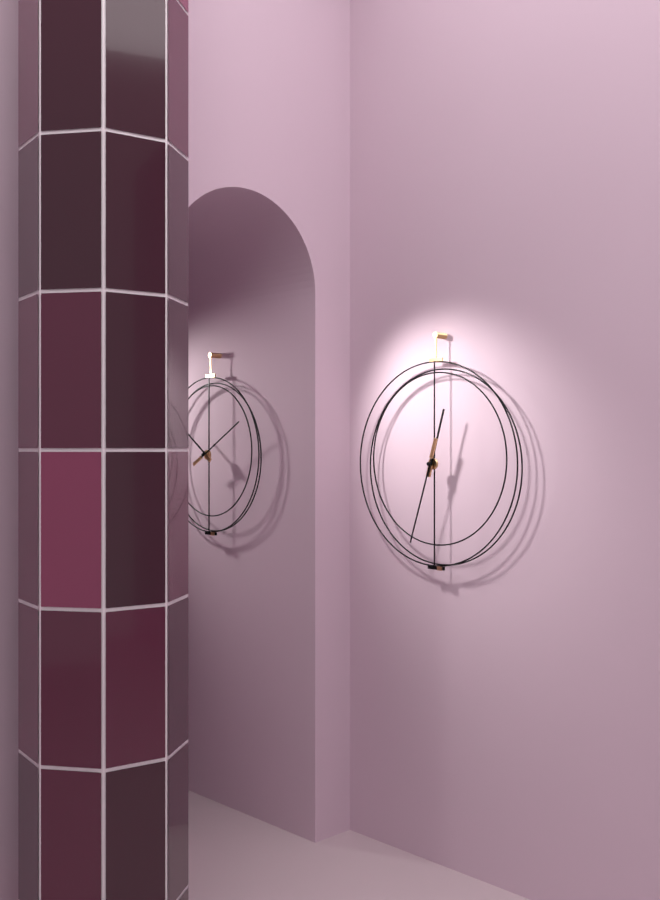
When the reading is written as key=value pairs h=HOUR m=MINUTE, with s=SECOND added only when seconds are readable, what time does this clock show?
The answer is h=12 m=33
